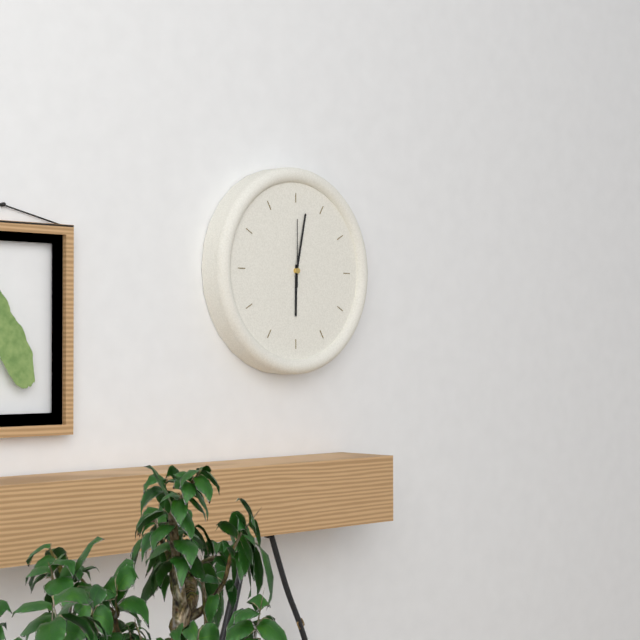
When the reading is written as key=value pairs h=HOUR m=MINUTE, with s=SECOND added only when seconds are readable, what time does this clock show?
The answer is h=6 m=2 s=0
